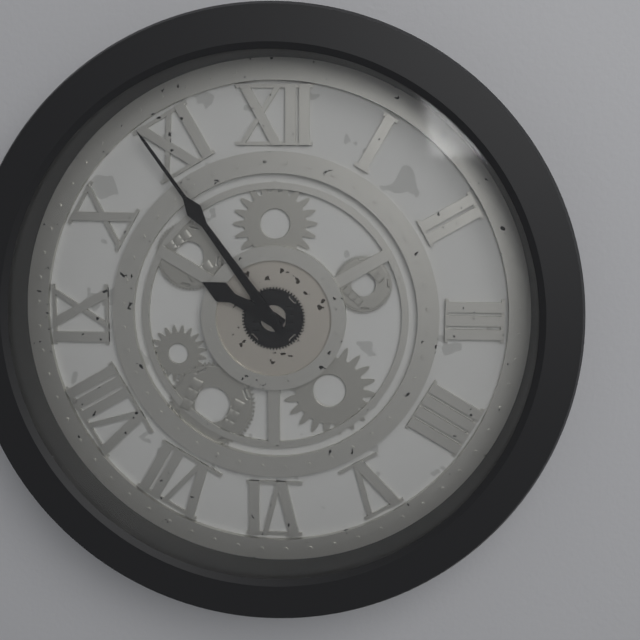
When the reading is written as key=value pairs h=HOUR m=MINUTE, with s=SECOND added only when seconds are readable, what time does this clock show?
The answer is h=9 m=54
